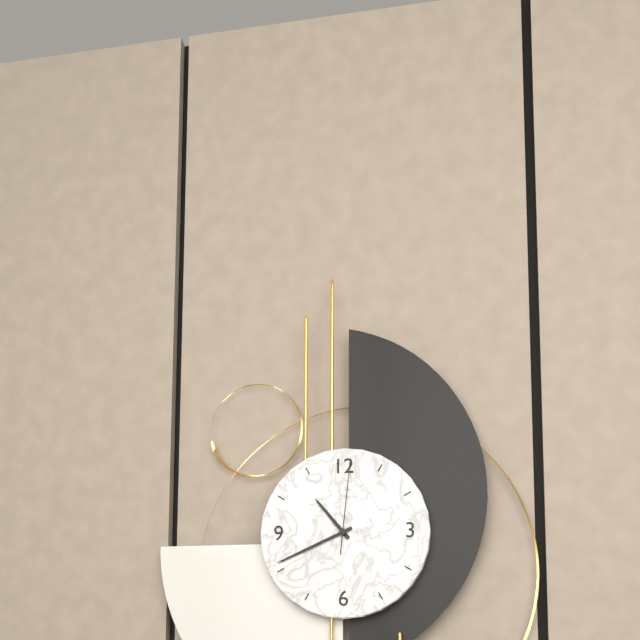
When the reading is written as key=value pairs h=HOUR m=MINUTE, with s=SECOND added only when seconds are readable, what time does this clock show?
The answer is h=10 m=41 s=1
